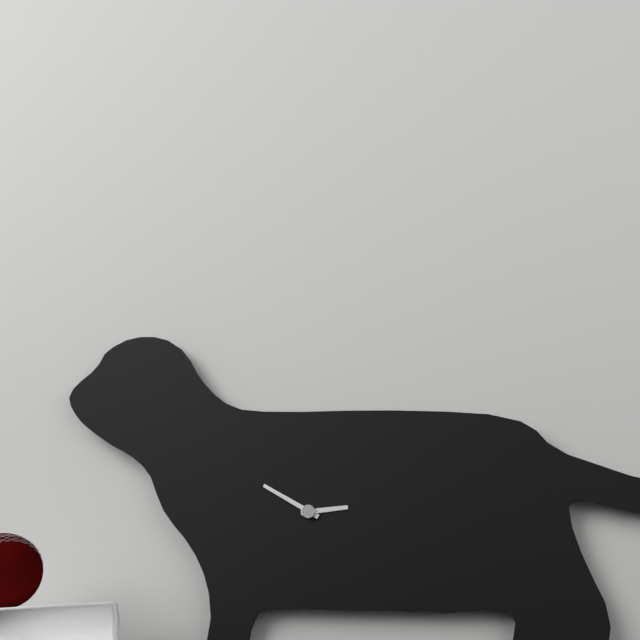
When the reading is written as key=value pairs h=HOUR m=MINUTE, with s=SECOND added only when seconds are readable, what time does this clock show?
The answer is h=2 m=50
